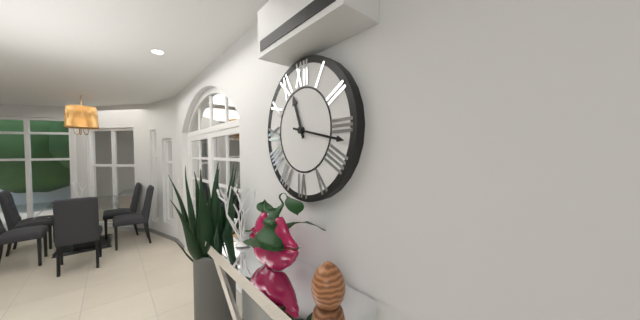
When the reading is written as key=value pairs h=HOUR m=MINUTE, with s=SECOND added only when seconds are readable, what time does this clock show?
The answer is h=11 m=17
